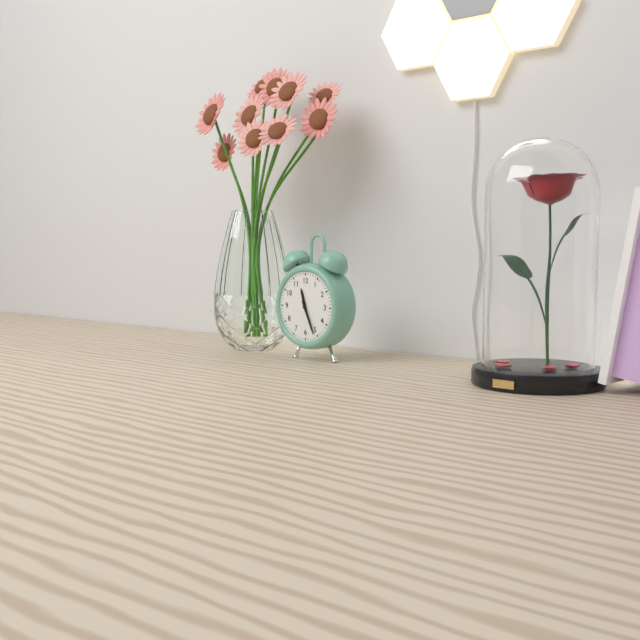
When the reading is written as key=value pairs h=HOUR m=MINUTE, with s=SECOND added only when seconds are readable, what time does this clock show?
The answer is h=11 m=26
